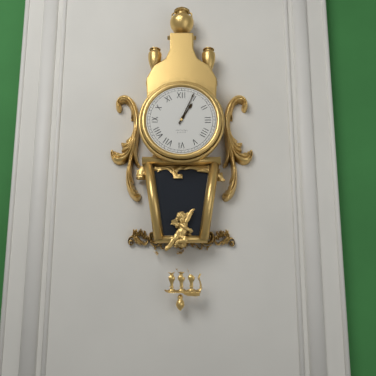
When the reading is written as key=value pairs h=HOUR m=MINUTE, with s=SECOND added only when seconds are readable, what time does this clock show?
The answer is h=1 m=4
